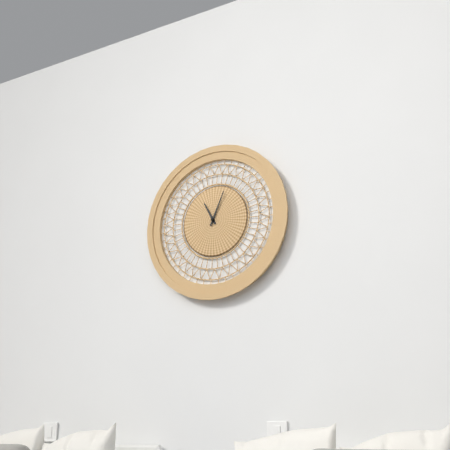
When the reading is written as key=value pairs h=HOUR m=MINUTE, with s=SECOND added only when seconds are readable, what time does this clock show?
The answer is h=11 m=4
